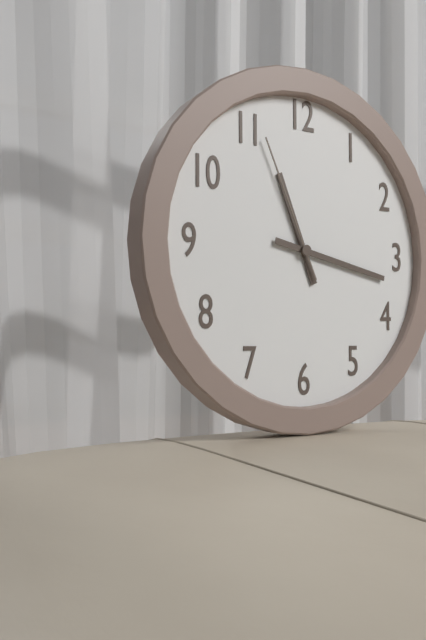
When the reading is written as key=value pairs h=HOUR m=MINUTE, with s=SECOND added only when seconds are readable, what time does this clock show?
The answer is h=11 m=17 s=56
